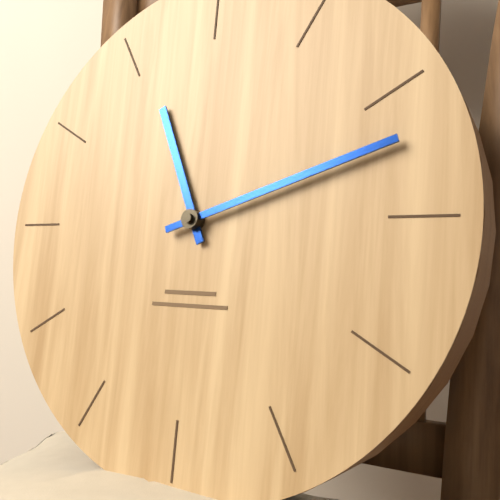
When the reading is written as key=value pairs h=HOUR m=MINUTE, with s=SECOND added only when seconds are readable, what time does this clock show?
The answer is h=11 m=12
